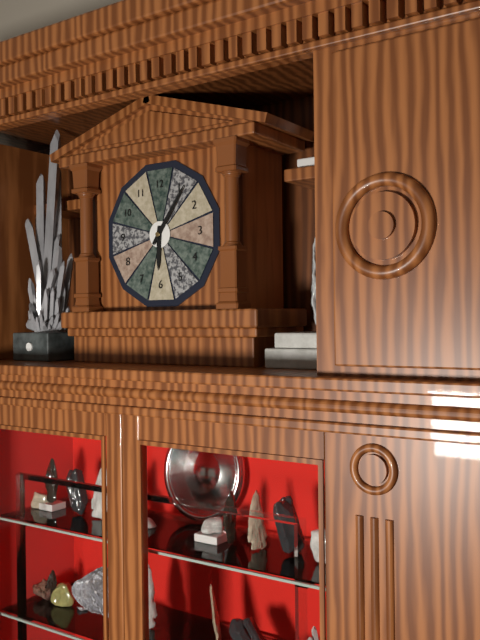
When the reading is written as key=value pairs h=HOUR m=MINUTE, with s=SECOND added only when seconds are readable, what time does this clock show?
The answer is h=6 m=6
